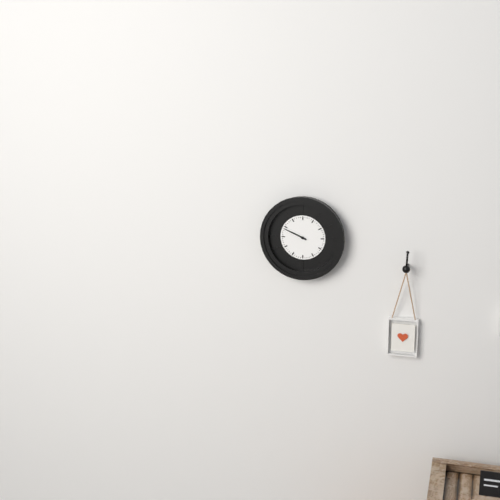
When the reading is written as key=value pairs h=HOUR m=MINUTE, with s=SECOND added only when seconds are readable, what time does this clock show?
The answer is h=9 m=49
